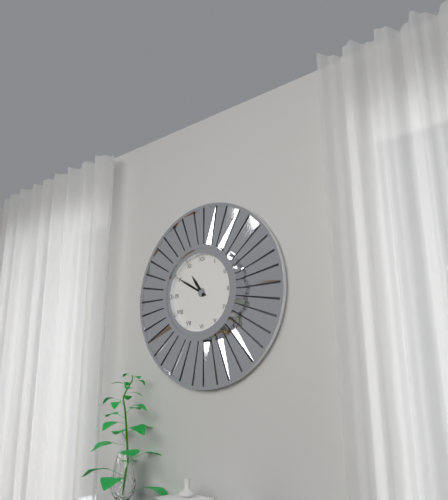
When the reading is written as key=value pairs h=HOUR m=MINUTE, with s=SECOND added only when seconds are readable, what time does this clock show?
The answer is h=10 m=50
